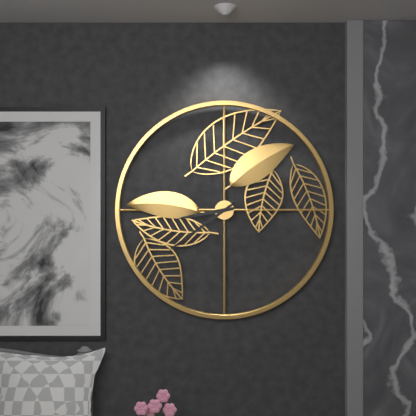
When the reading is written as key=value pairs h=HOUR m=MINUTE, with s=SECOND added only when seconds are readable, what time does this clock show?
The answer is h=8 m=39
